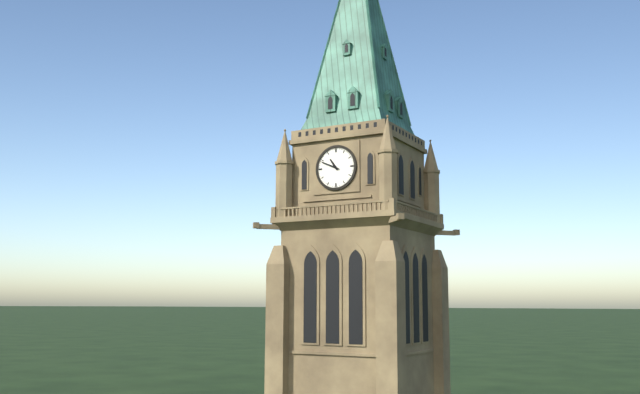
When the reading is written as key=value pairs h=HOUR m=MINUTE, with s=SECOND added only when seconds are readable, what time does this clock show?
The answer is h=10 m=49
